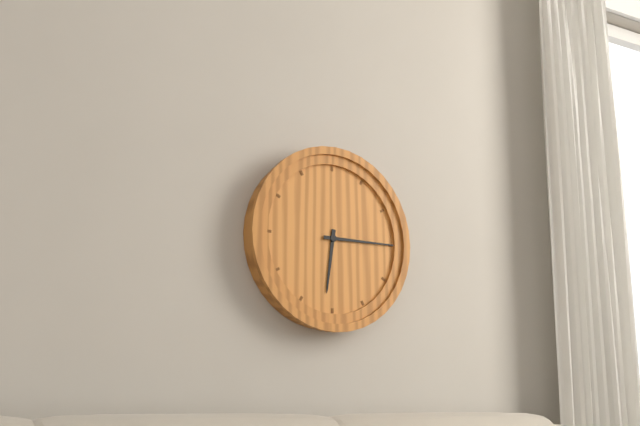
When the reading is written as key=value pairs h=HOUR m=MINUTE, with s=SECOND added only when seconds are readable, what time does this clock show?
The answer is h=6 m=15
